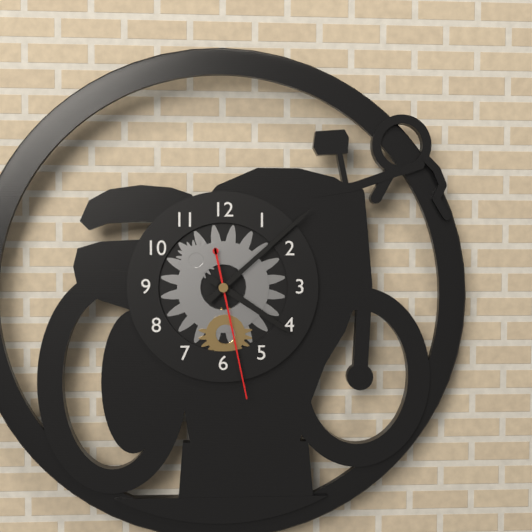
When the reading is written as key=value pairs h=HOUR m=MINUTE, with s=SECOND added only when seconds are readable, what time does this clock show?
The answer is h=4 m=8 s=28
